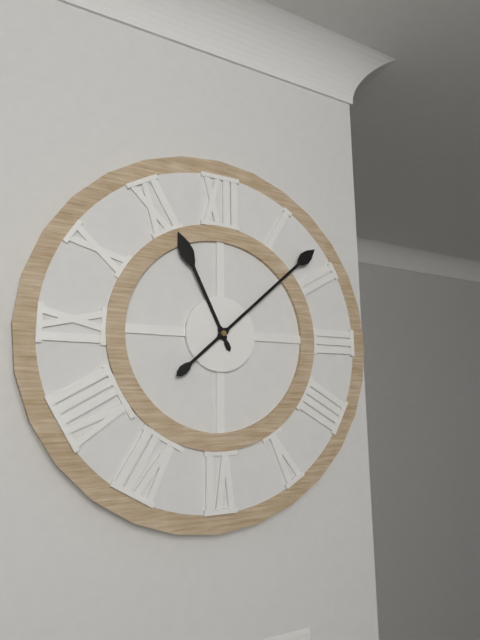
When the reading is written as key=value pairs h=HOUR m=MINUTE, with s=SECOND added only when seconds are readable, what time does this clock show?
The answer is h=11 m=8
